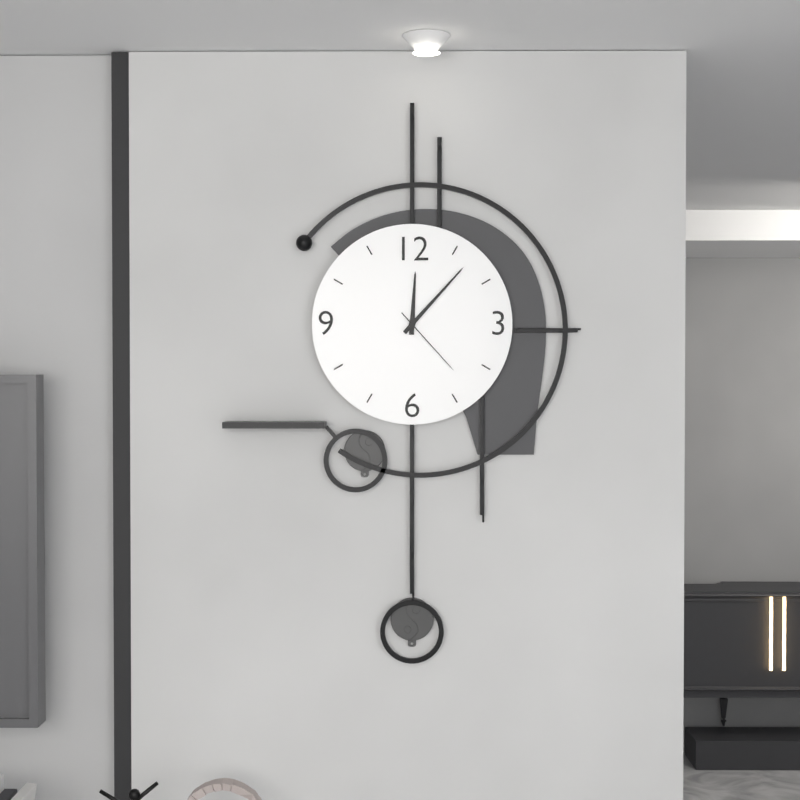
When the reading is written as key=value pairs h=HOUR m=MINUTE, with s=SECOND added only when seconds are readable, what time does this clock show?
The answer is h=12 m=7 s=23
